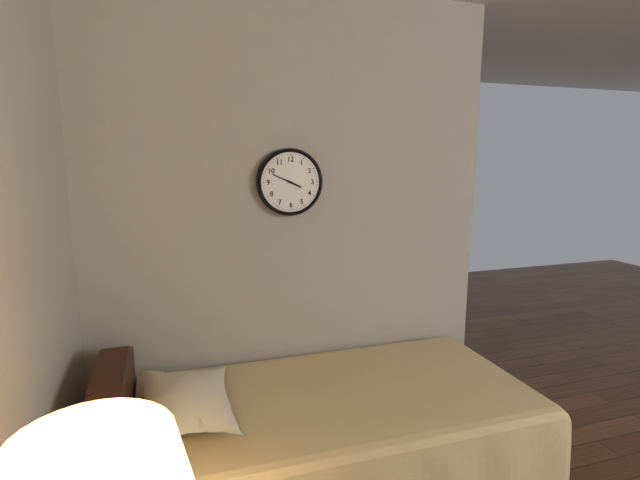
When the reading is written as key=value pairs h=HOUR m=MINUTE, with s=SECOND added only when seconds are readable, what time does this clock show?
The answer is h=3 m=49
